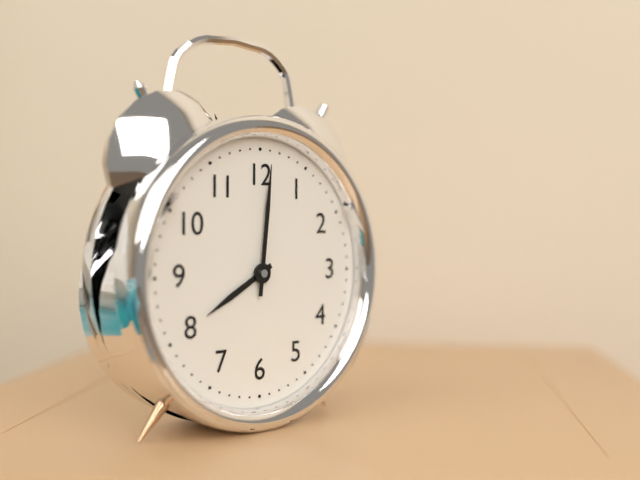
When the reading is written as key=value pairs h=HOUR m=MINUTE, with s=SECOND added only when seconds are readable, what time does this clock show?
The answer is h=8 m=1
